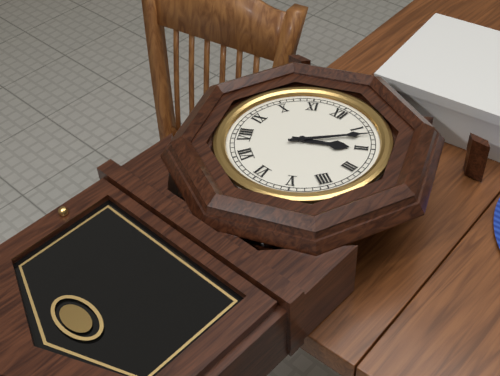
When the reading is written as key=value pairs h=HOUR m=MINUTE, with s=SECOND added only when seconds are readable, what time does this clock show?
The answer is h=2 m=7
